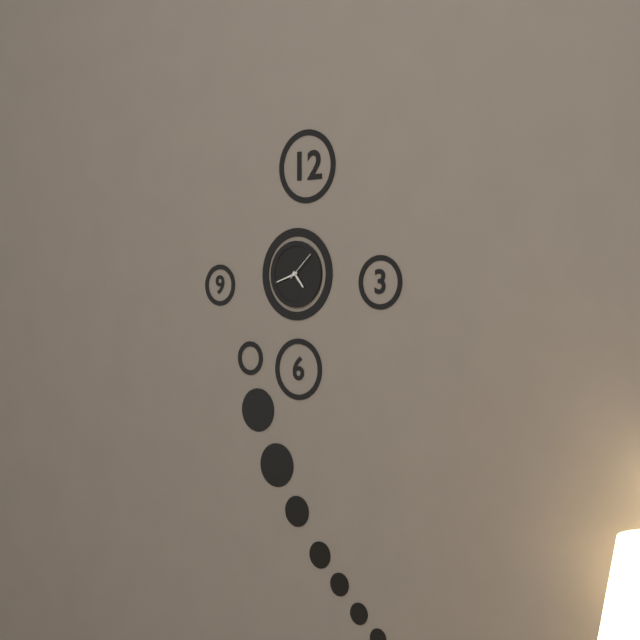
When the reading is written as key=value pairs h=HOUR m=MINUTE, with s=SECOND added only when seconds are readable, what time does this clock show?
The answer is h=4 m=42
